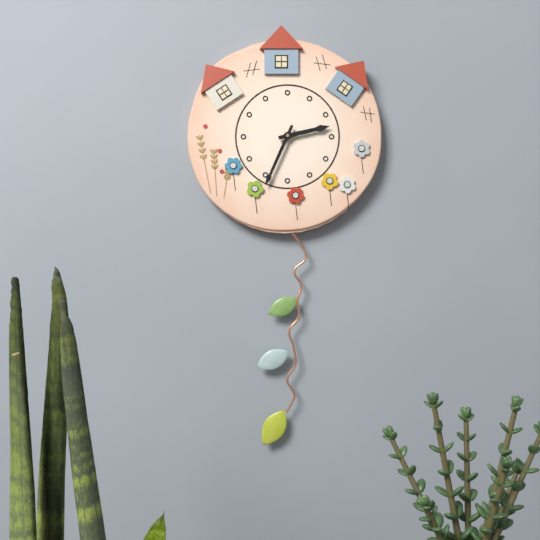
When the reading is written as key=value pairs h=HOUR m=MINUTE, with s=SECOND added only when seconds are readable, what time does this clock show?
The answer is h=2 m=34
